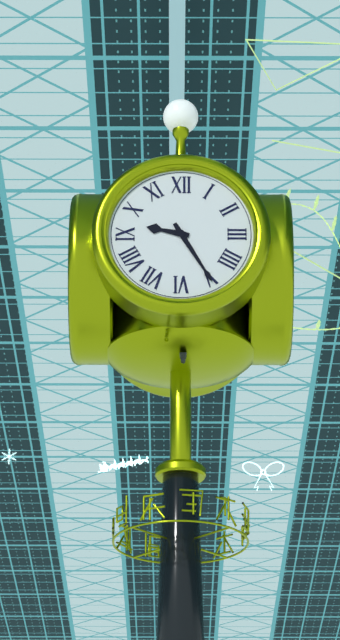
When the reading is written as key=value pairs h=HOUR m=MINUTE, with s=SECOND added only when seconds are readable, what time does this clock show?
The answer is h=9 m=25
